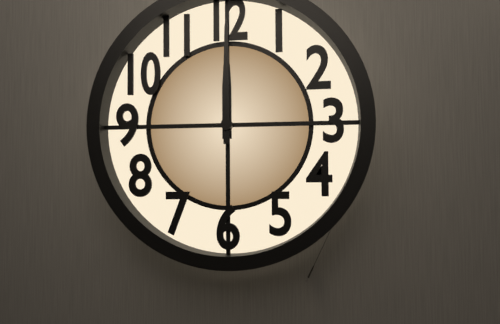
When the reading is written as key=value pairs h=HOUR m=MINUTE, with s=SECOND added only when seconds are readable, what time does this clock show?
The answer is h=12 m=0
